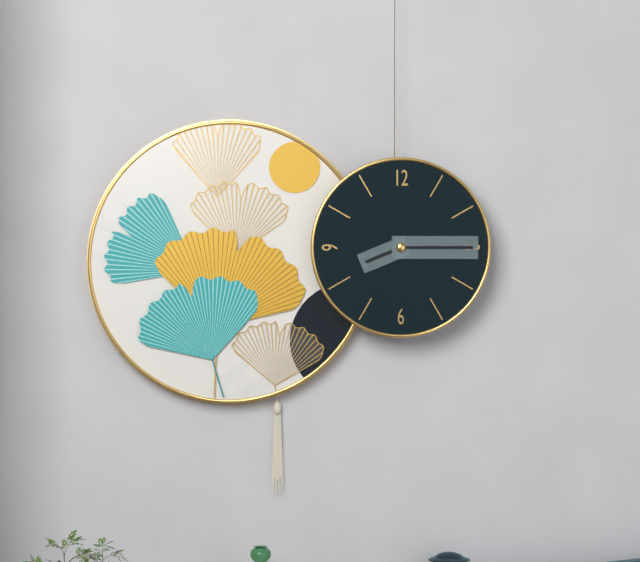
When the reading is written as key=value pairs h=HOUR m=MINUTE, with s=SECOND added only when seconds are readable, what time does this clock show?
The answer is h=8 m=15
